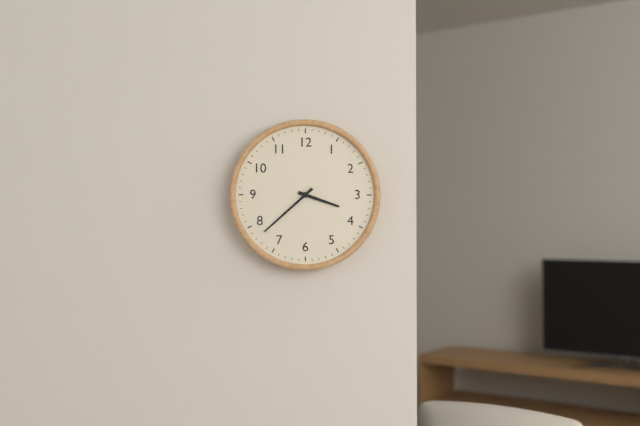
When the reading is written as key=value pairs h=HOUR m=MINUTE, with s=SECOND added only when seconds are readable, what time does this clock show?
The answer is h=3 m=38
